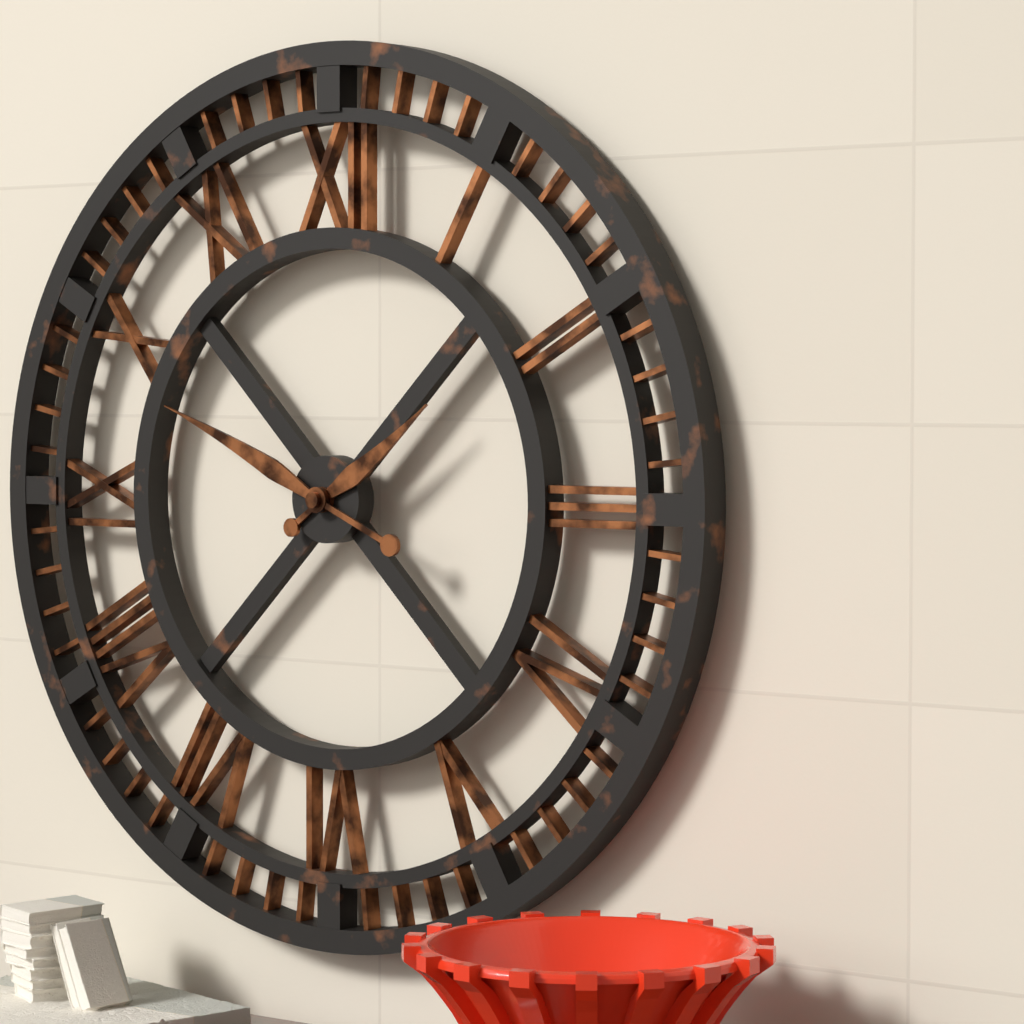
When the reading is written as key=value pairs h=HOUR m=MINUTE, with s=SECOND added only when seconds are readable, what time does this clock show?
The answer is h=1 m=49
